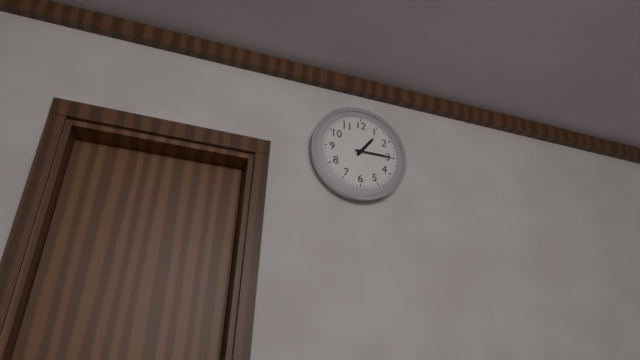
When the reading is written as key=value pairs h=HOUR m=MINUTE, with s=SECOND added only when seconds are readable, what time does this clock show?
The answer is h=1 m=15
